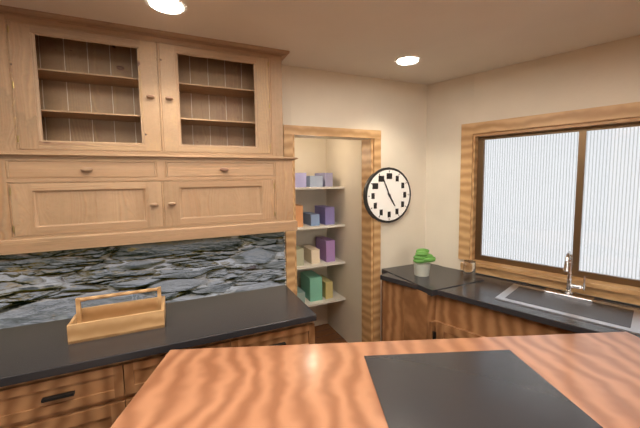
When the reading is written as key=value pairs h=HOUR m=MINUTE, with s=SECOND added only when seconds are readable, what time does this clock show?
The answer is h=4 m=56
